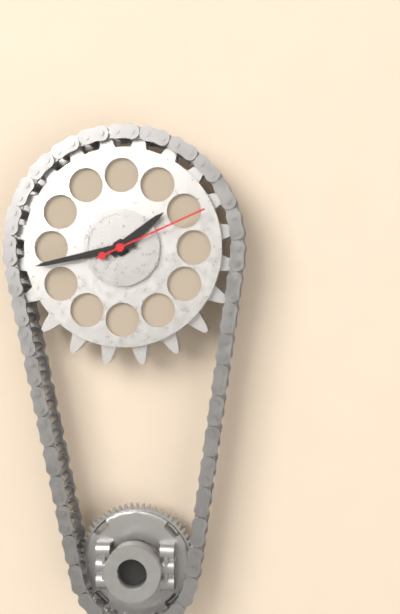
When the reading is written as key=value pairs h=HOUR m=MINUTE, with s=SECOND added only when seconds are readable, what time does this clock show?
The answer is h=1 m=43 s=11
